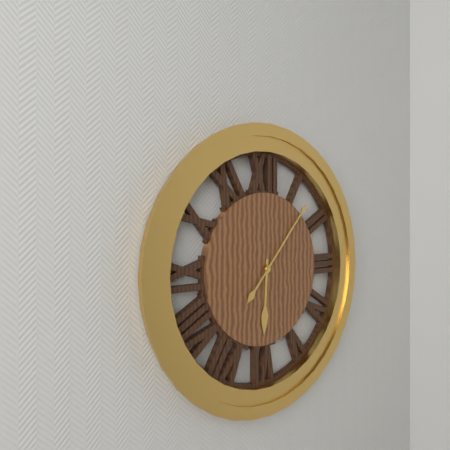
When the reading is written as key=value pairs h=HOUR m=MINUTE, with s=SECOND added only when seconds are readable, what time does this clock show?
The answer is h=6 m=7
